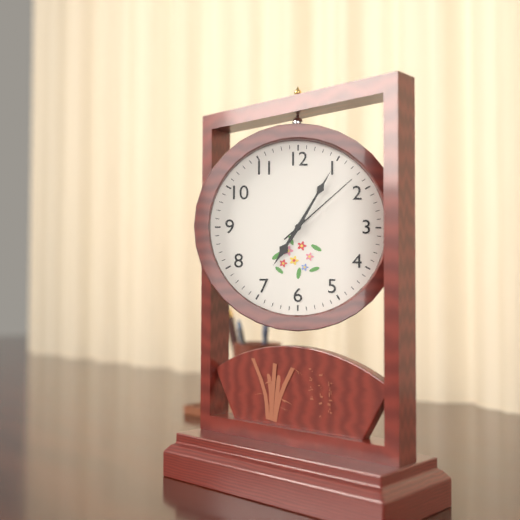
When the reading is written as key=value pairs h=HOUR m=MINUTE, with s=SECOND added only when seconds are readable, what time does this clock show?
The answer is h=7 m=5 s=8
